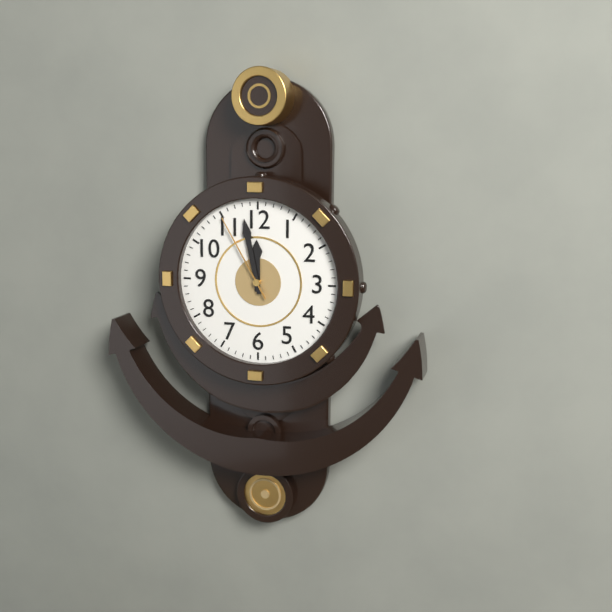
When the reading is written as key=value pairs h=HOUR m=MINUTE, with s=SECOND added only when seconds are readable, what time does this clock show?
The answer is h=11 m=58 s=55
